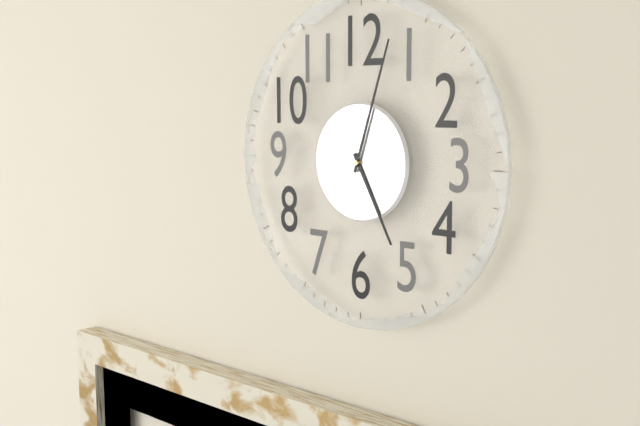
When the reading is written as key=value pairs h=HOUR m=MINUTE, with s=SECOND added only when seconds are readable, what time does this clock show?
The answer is h=5 m=3
